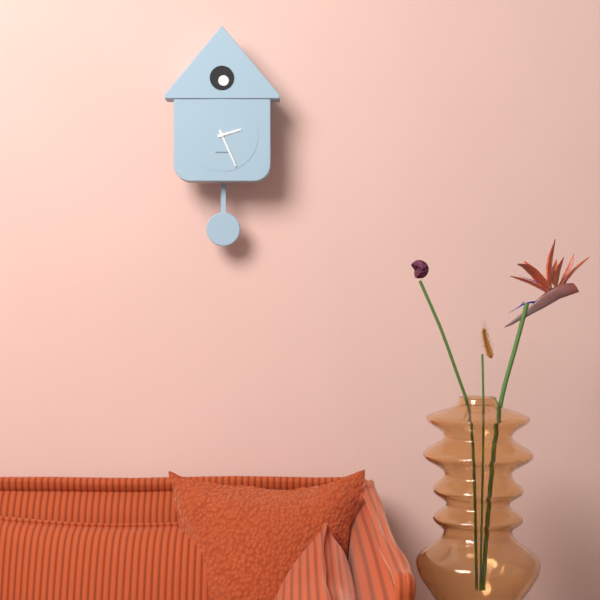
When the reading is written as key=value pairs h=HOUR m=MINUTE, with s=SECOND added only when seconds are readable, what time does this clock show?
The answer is h=2 m=26
